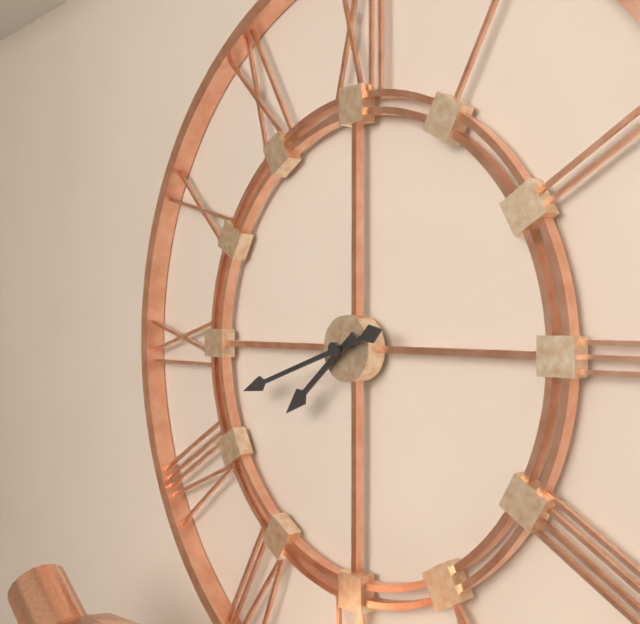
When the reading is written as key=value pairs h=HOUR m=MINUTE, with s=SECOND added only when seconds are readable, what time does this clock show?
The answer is h=7 m=42
